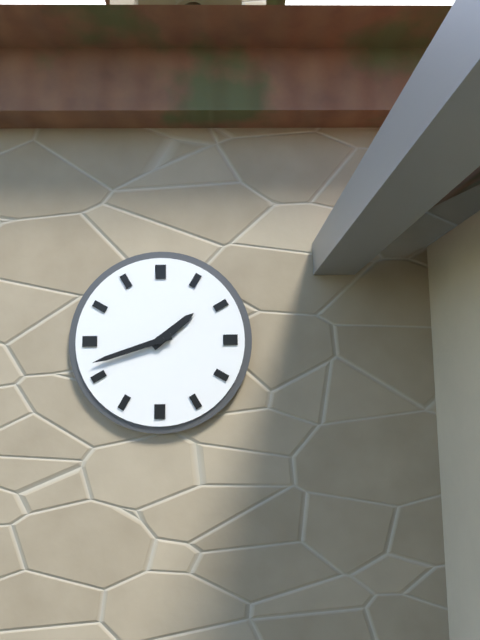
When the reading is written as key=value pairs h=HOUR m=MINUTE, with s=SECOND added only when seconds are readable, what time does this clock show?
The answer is h=1 m=42
